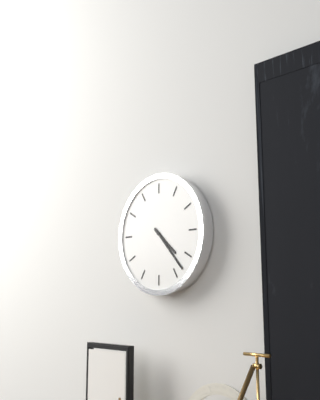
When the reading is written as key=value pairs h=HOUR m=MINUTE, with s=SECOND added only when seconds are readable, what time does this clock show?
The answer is h=4 m=23
